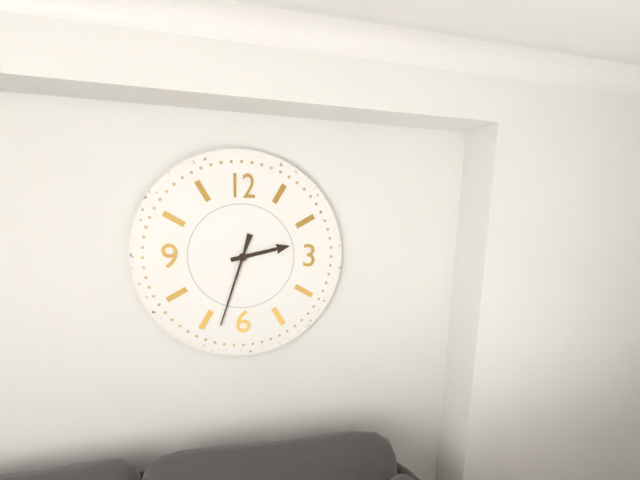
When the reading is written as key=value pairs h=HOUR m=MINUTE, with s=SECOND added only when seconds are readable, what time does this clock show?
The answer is h=2 m=33
